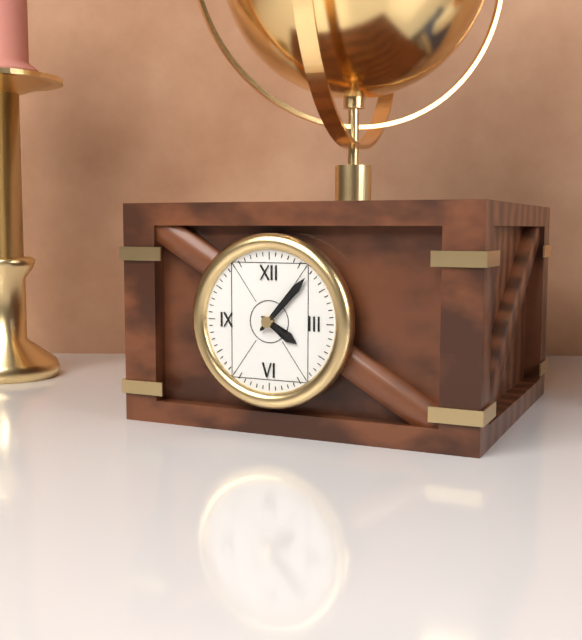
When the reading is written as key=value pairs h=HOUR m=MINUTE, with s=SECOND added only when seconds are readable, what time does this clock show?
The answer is h=4 m=7
